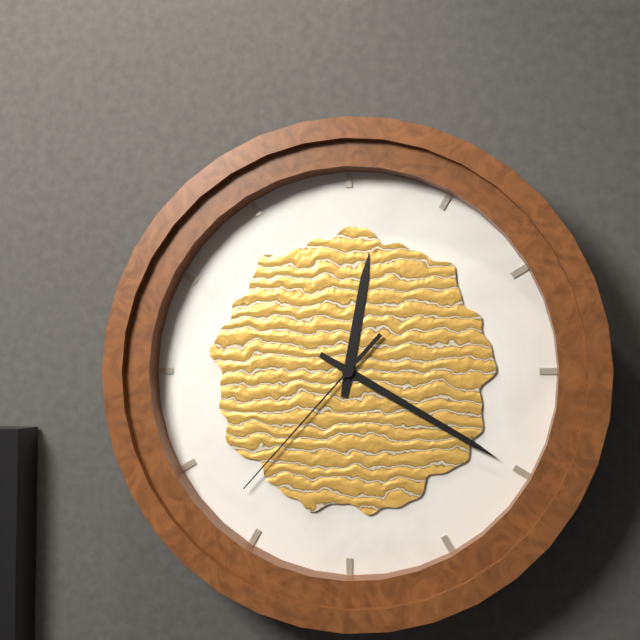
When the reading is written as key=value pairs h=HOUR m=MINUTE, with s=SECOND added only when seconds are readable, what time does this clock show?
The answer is h=12 m=20 s=37
